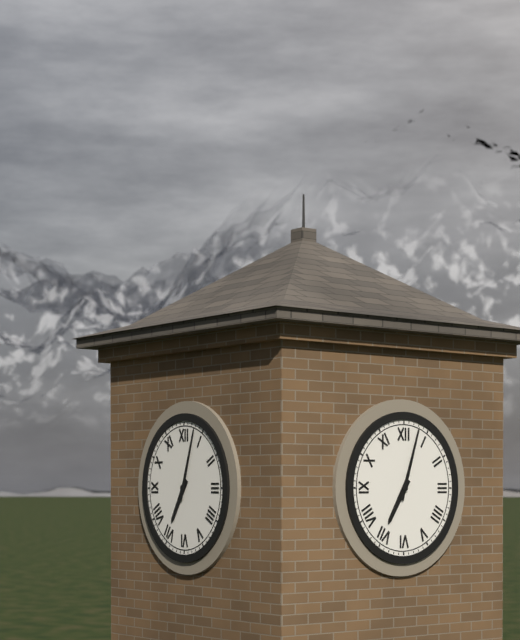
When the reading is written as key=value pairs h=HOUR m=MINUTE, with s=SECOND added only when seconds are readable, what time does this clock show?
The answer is h=7 m=3
